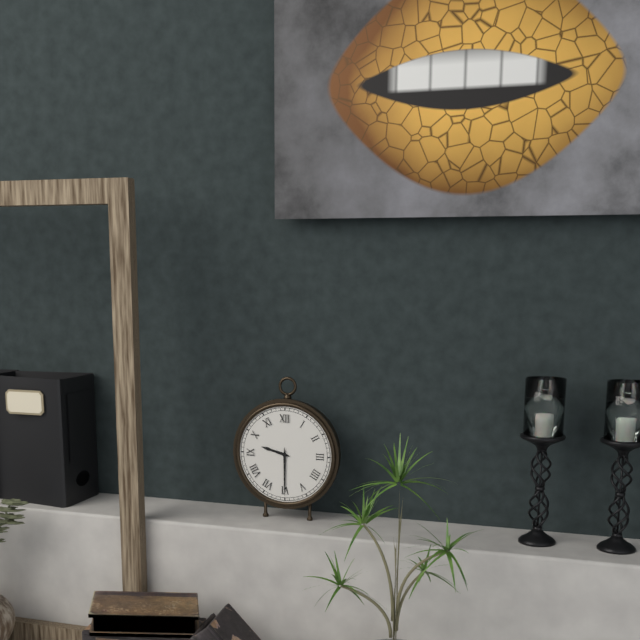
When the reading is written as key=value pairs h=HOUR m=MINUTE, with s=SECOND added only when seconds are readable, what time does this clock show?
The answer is h=9 m=30
